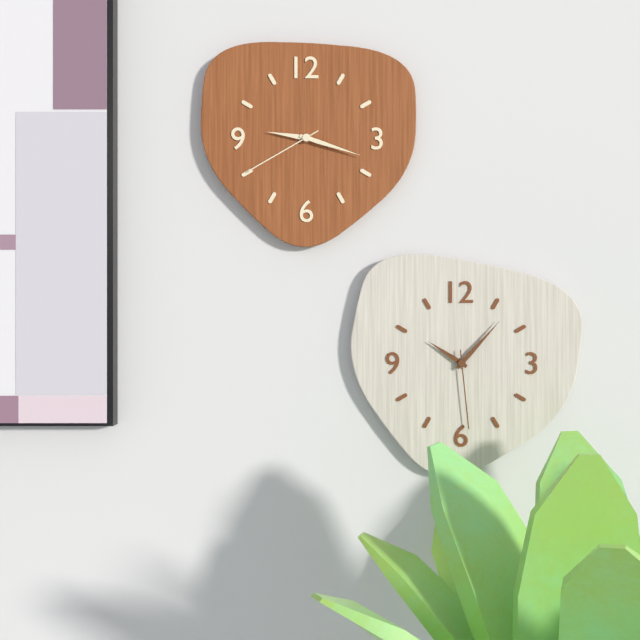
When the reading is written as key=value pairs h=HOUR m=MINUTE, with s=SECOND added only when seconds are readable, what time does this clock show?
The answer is h=9 m=18 s=40
